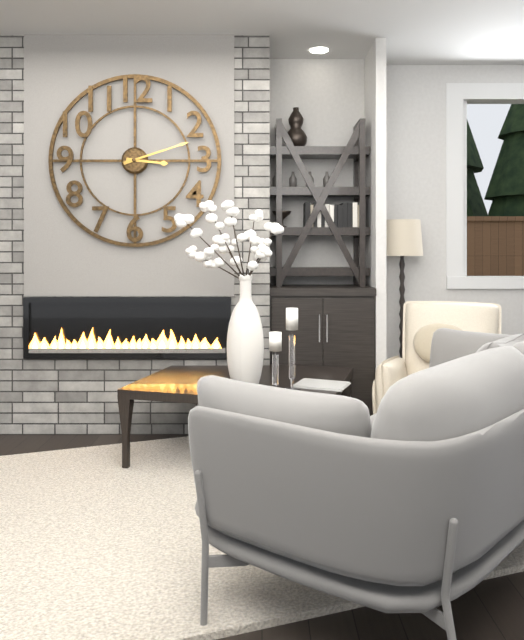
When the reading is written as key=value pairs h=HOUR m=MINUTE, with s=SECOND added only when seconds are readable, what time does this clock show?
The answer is h=3 m=12
